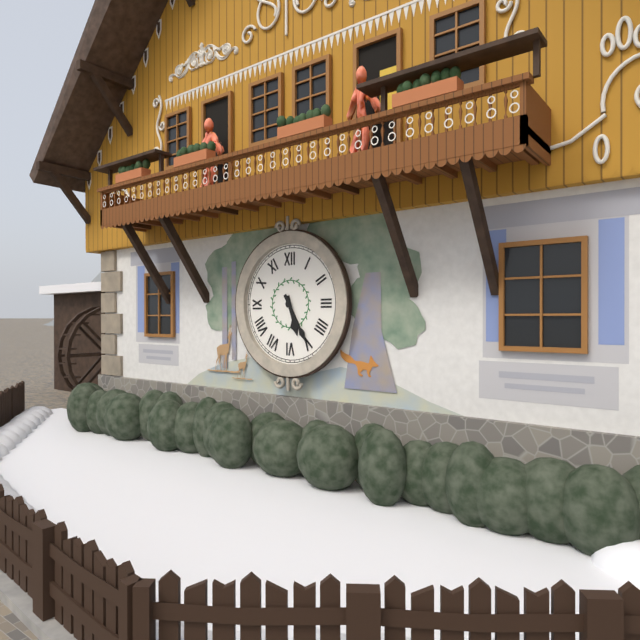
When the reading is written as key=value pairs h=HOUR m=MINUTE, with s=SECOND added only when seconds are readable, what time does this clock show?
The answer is h=5 m=25
